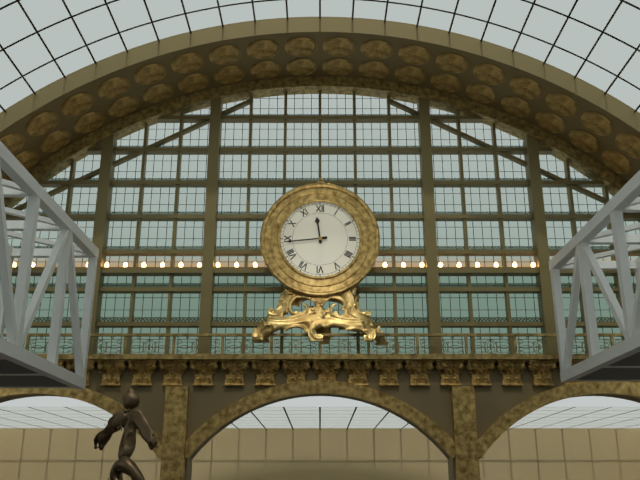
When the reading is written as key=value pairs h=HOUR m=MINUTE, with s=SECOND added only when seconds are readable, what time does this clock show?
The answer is h=11 m=44
